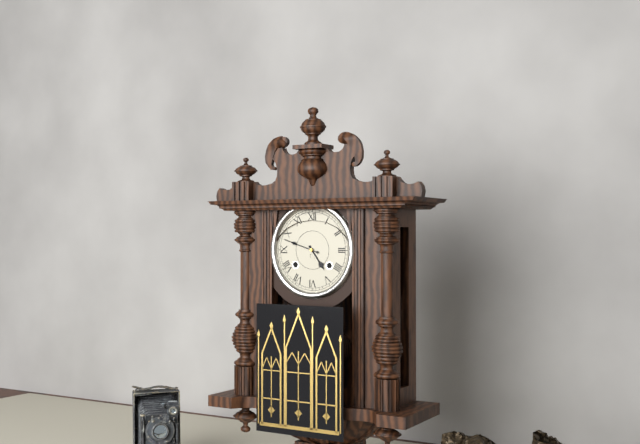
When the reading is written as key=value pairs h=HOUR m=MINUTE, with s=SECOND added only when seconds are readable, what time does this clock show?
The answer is h=4 m=48
